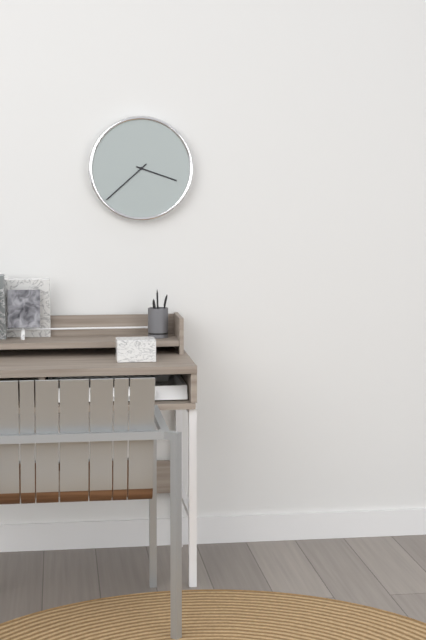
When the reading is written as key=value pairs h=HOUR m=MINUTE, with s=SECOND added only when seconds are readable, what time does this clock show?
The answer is h=3 m=38
